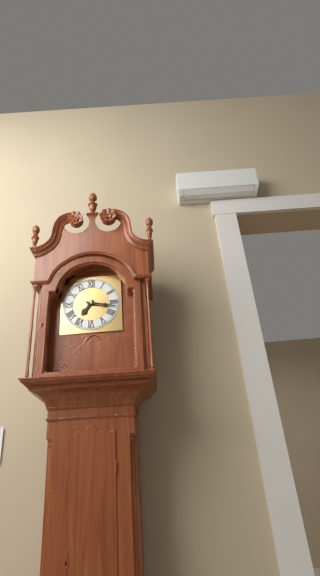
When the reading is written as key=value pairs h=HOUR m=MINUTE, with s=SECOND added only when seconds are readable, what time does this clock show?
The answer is h=7 m=17
